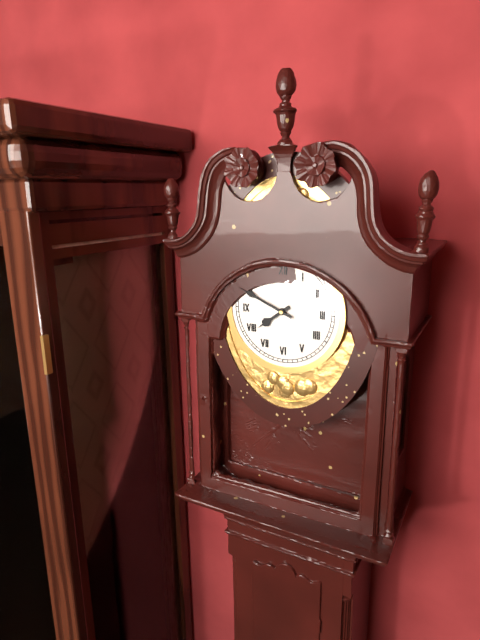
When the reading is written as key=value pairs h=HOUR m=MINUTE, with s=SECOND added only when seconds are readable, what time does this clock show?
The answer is h=7 m=49
